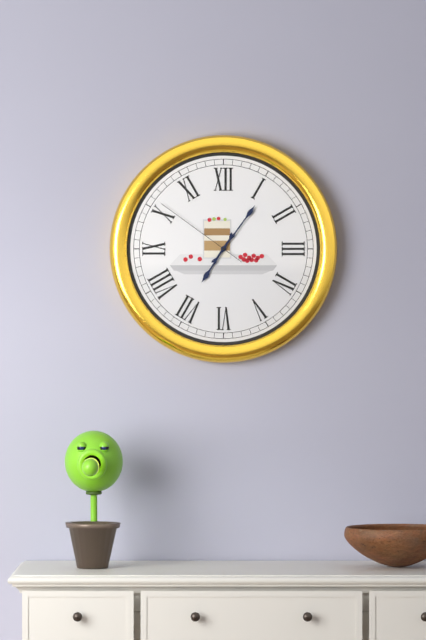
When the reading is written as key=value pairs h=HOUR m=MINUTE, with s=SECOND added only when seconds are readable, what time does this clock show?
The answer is h=7 m=6 s=51
